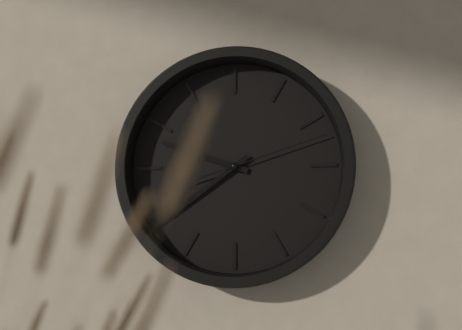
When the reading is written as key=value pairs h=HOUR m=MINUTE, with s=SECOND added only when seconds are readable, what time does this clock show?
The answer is h=9 m=39 s=12
